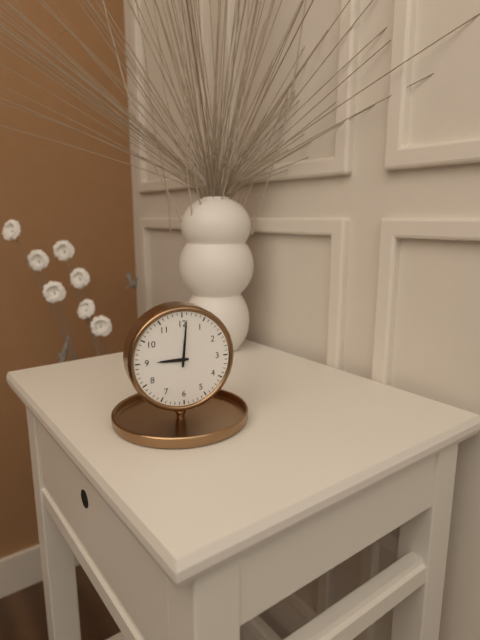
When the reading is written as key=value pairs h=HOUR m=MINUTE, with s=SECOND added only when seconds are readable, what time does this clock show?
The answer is h=9 m=1
